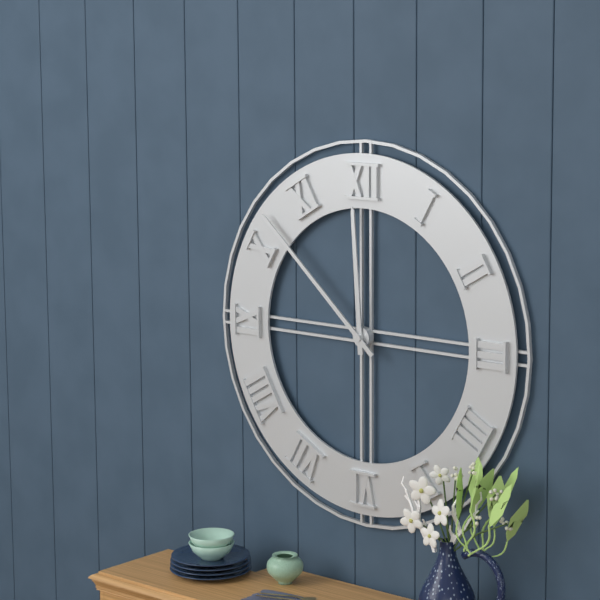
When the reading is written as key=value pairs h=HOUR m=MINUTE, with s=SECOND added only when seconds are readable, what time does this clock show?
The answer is h=11 m=52
